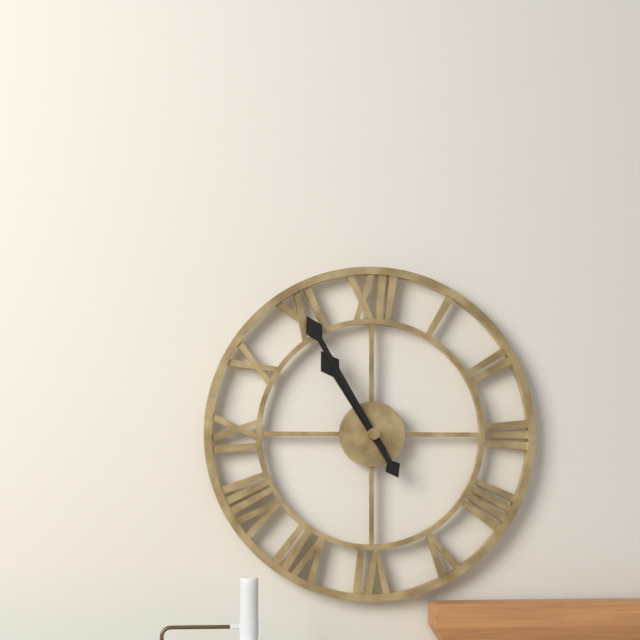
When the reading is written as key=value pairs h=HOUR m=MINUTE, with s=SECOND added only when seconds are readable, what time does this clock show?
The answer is h=10 m=55
